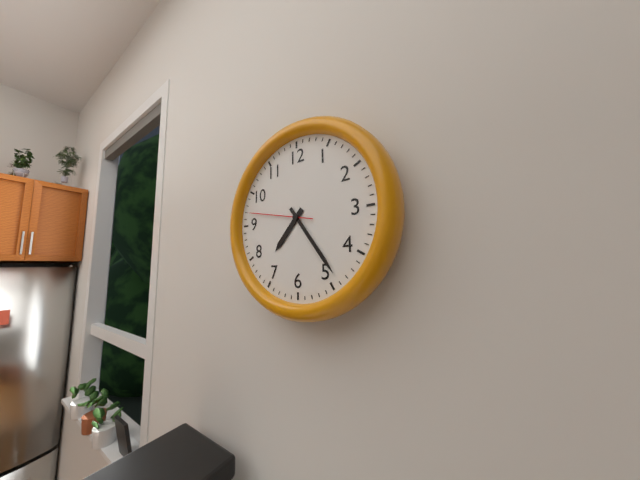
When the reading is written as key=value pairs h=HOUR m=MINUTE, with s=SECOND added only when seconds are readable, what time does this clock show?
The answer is h=7 m=24 s=47
